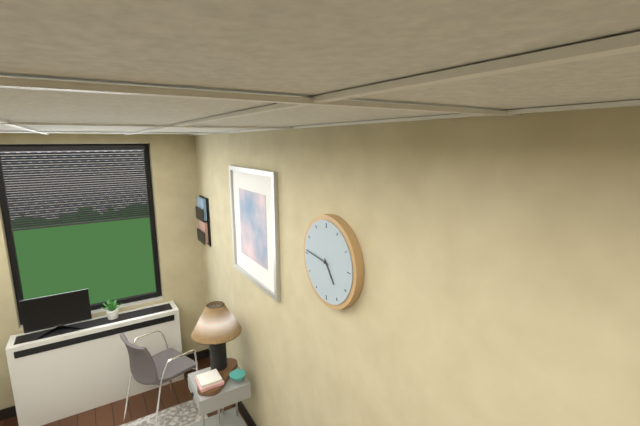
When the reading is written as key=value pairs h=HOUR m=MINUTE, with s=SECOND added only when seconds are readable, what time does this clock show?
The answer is h=4 m=46
